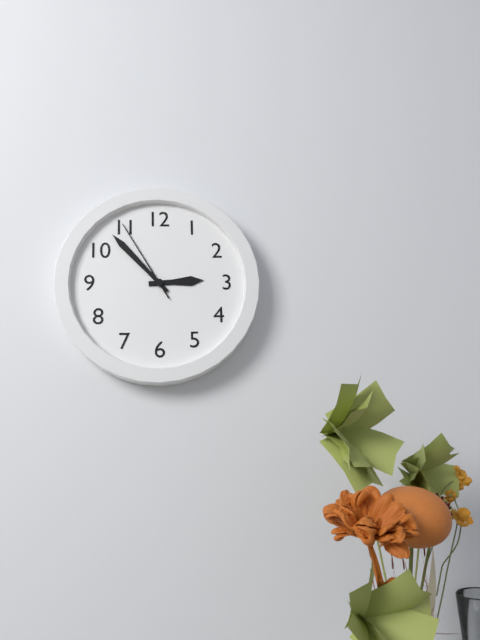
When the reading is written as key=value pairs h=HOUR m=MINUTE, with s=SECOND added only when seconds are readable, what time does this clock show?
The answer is h=2 m=53 s=55
